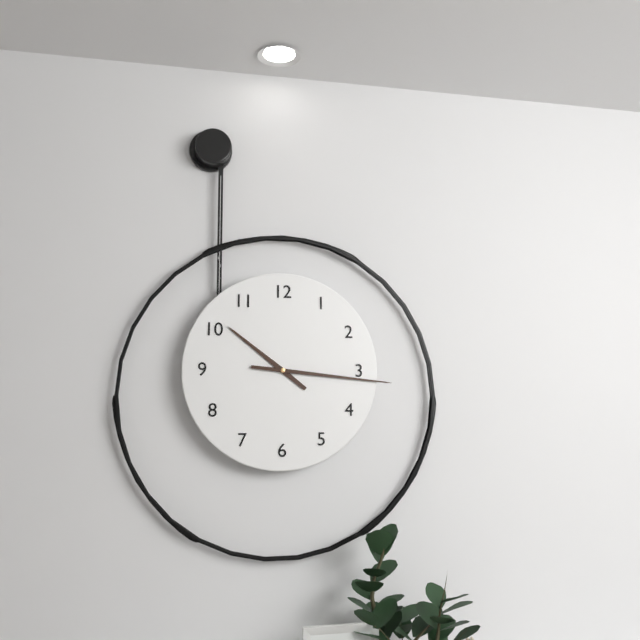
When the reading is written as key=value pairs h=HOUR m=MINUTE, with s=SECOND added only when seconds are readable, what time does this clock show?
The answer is h=10 m=16
